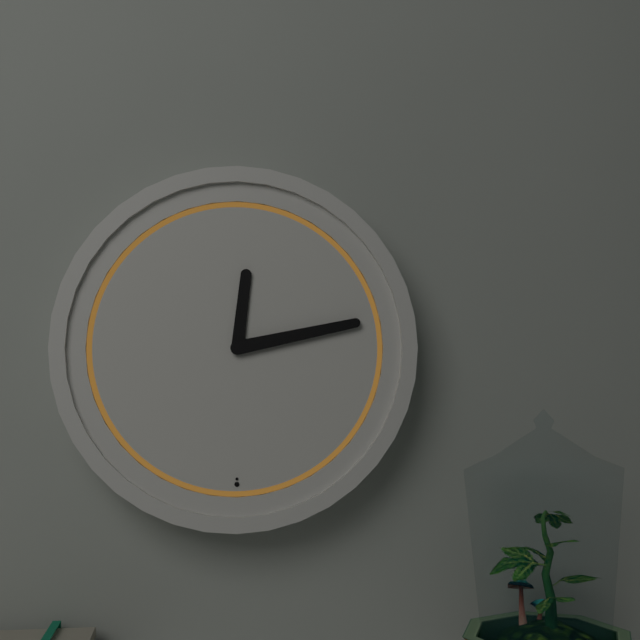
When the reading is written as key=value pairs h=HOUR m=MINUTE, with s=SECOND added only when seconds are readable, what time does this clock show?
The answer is h=12 m=13
